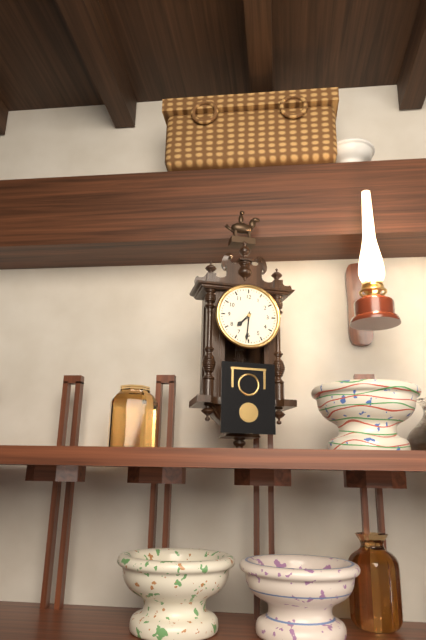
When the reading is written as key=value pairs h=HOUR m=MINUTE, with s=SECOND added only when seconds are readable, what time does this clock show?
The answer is h=7 m=31
